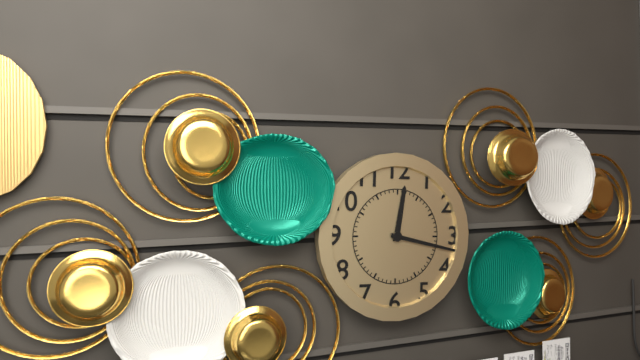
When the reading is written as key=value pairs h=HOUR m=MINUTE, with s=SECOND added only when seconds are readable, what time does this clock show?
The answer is h=12 m=17
